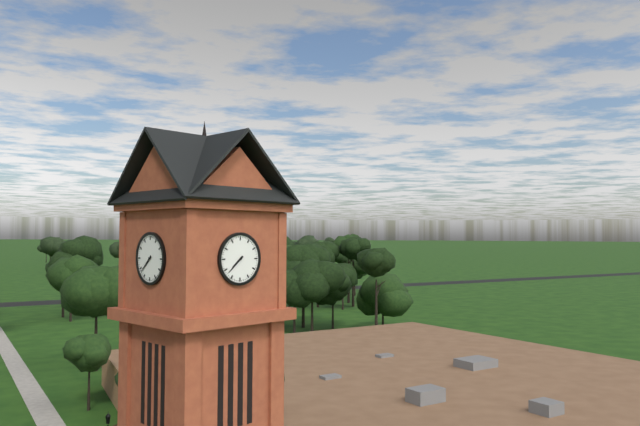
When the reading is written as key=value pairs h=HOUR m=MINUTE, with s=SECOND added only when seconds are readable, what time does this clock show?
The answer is h=7 m=38
